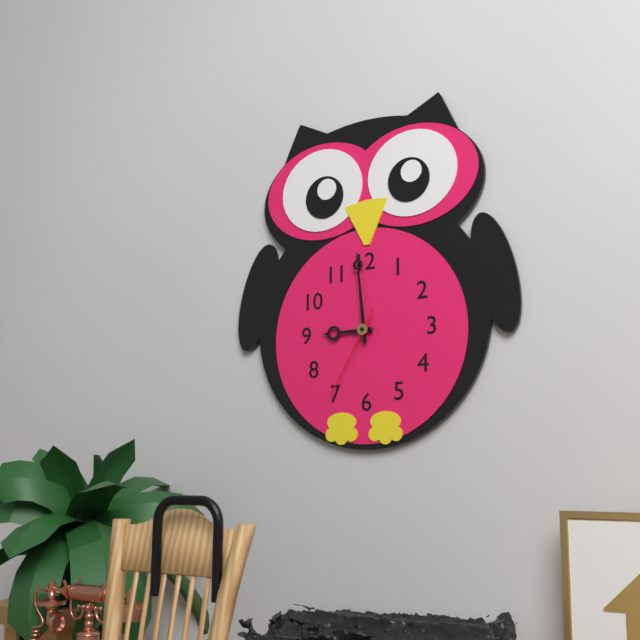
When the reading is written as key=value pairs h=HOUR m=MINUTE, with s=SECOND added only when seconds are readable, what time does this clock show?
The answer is h=8 m=59 s=35
